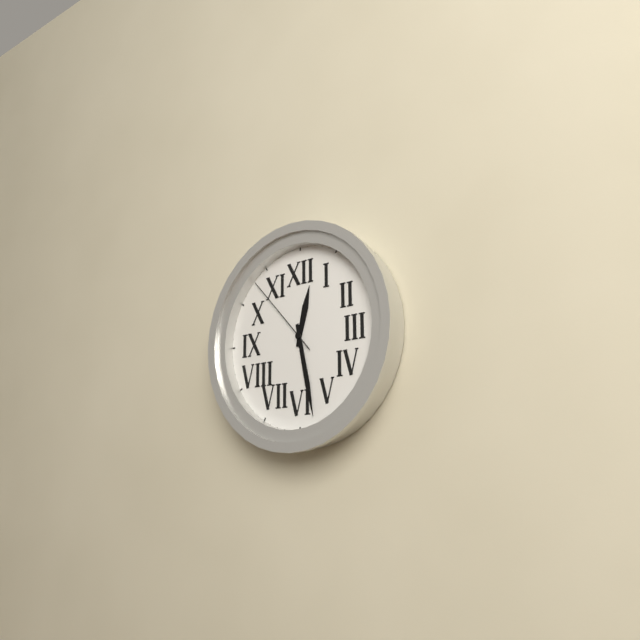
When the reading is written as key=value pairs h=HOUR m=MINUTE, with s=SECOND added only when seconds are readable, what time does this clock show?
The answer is h=12 m=28 s=53
